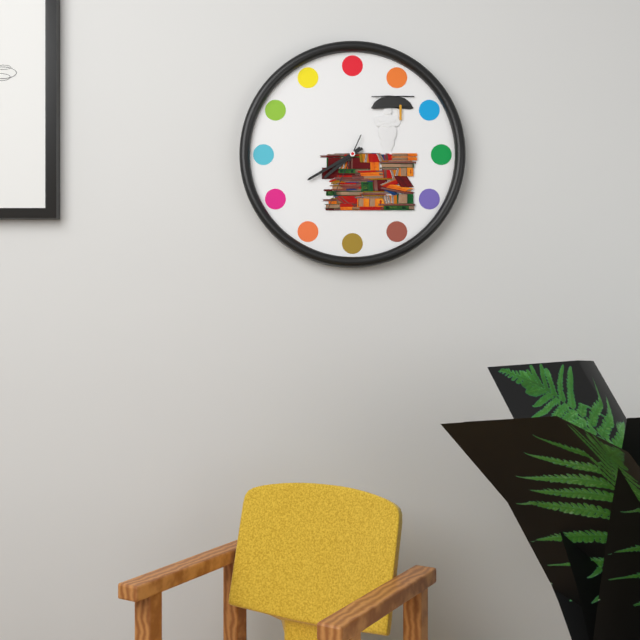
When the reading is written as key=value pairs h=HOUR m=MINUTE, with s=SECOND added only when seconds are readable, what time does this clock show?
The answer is h=7 m=40 s=34
